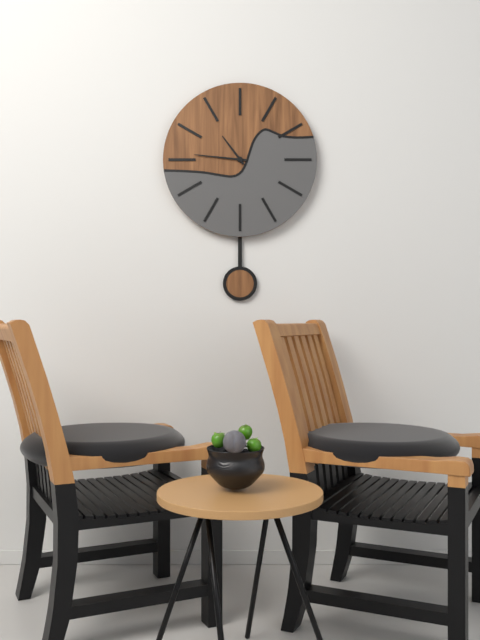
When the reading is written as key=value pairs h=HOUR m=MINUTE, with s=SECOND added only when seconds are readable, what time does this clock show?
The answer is h=10 m=46
